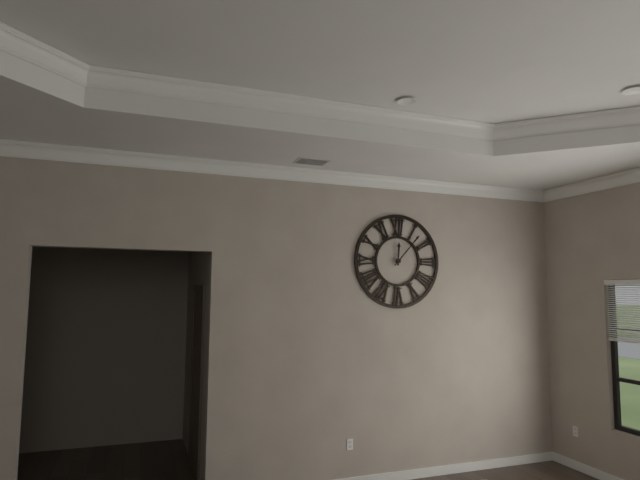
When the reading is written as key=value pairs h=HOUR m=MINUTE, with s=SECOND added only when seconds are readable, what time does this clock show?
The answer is h=12 m=7
